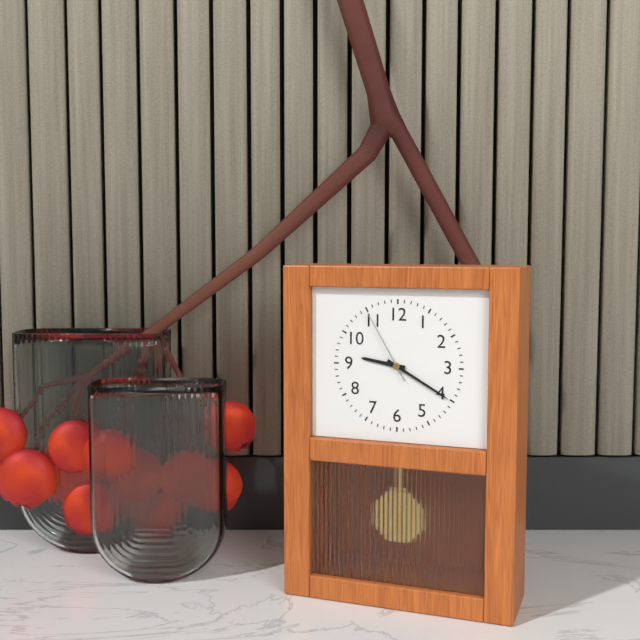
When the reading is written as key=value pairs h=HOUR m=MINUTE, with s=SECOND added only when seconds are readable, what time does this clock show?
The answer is h=9 m=20 s=55
